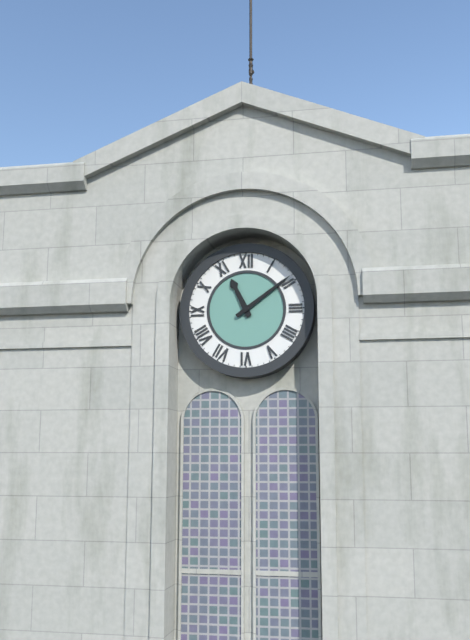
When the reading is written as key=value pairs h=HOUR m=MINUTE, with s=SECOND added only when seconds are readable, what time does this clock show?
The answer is h=11 m=9
